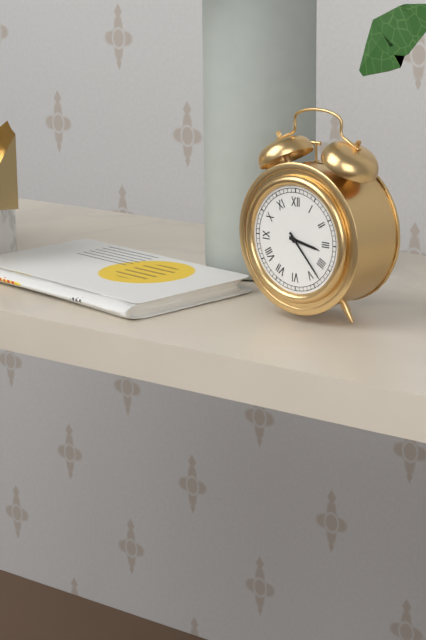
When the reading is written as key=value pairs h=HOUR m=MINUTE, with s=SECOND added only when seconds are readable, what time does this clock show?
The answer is h=3 m=23
